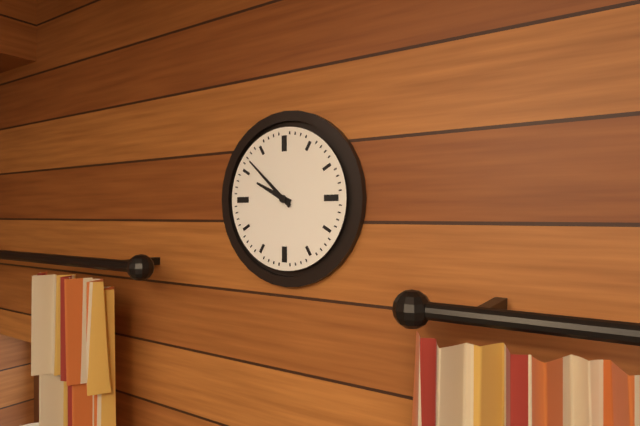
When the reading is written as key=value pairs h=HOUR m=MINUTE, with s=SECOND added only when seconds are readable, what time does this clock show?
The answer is h=9 m=52
